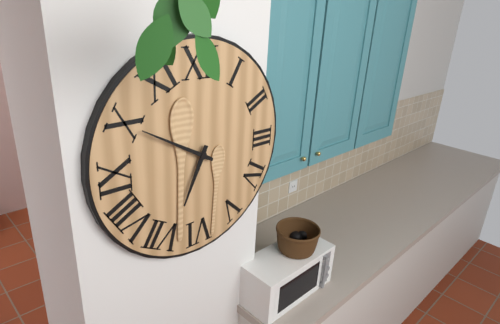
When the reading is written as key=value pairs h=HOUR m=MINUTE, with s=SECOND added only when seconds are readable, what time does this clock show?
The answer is h=6 m=50
